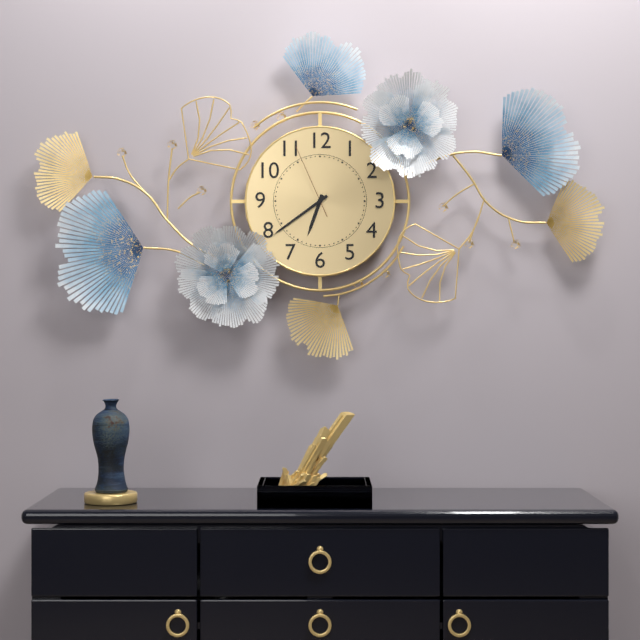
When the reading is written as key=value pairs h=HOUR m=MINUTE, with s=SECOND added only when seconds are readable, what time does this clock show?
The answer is h=6 m=39 s=56
